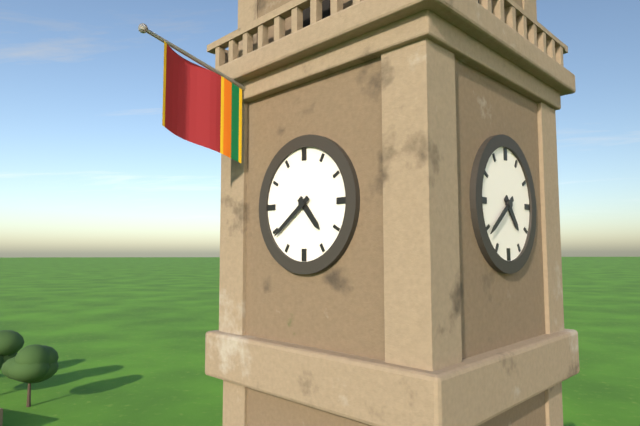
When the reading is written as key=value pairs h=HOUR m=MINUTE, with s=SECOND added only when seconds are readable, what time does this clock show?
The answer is h=4 m=39
